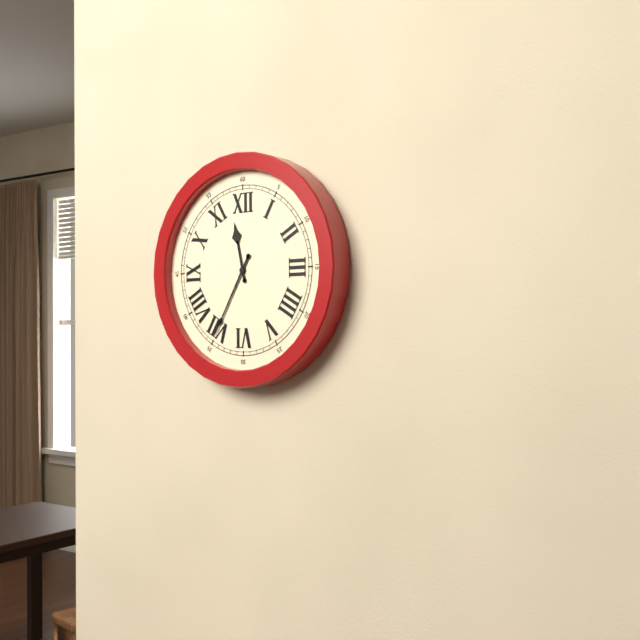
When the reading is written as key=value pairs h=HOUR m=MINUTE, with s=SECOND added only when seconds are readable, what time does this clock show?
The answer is h=11 m=35
